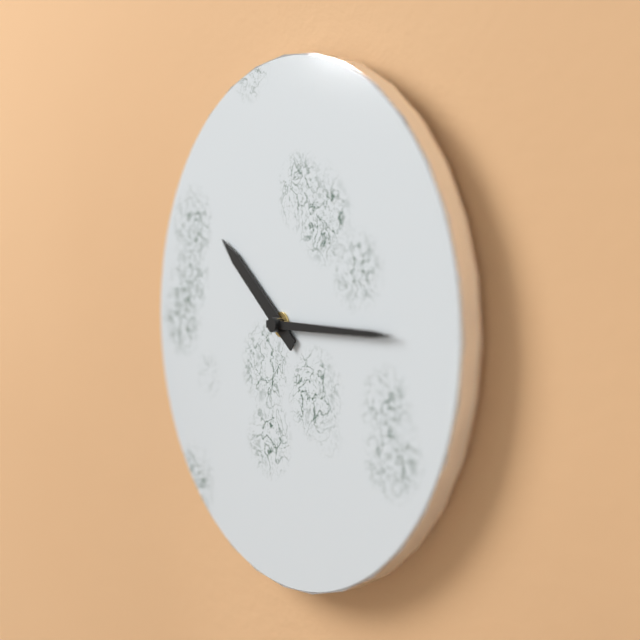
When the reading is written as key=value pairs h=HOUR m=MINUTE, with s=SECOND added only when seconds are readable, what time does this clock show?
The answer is h=10 m=15
